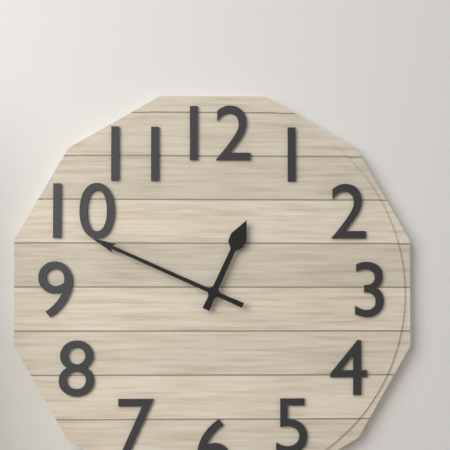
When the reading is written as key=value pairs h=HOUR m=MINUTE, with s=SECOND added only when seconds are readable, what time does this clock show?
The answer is h=12 m=49
